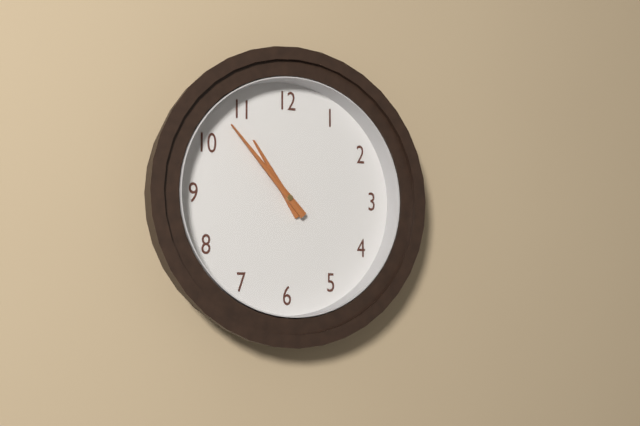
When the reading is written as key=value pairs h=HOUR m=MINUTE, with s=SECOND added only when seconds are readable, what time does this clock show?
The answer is h=10 m=53
